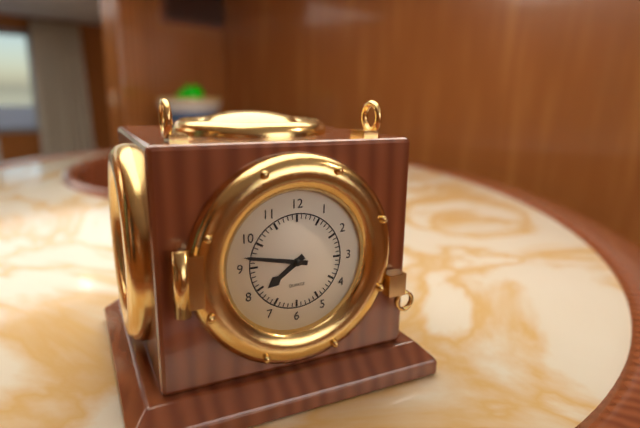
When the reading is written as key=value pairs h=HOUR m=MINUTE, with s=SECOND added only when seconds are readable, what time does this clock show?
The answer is h=7 m=47
